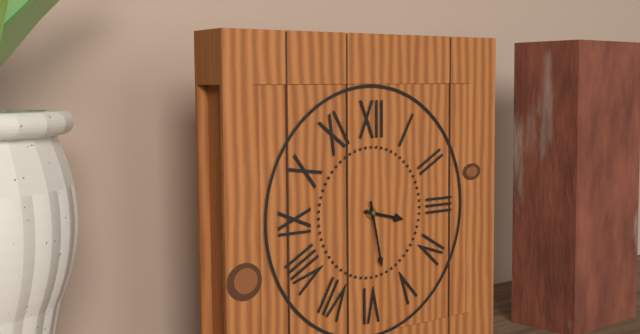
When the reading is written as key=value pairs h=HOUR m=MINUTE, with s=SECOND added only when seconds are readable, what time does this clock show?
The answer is h=3 m=28
